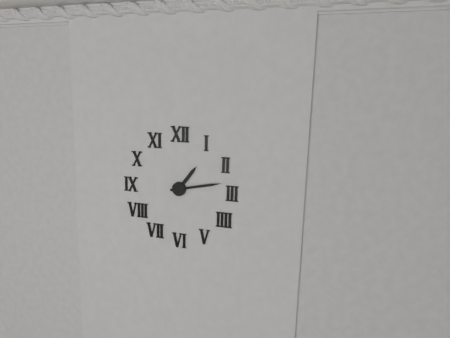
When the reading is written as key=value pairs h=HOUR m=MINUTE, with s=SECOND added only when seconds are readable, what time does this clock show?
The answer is h=1 m=13
